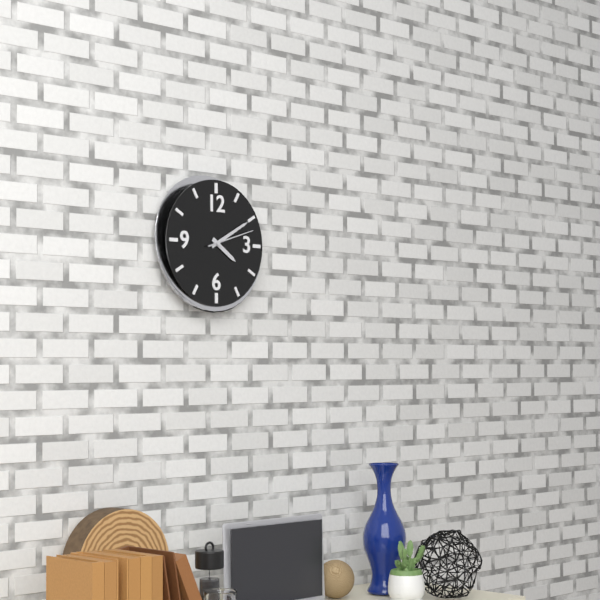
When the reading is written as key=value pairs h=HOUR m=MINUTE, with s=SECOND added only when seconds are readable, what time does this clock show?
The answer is h=4 m=10
